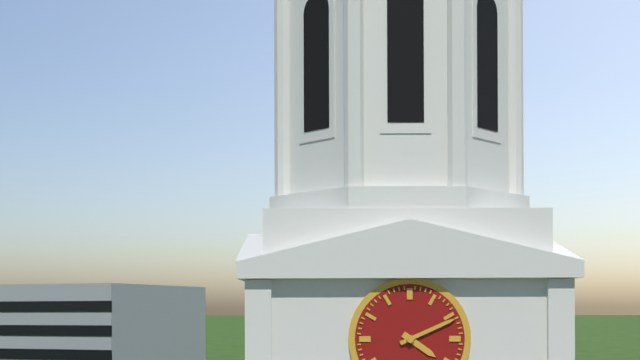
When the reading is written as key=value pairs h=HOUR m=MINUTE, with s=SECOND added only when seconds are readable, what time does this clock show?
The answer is h=4 m=11
